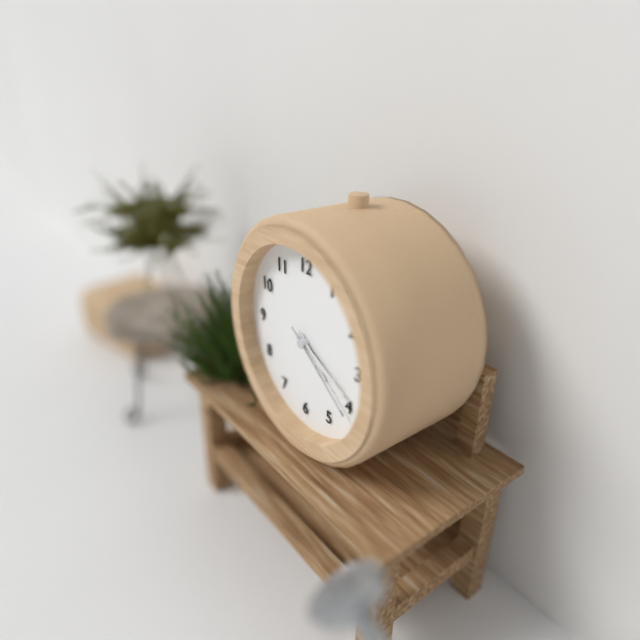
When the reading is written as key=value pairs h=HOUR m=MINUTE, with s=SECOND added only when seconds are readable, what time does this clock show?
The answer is h=4 m=19 s=21
